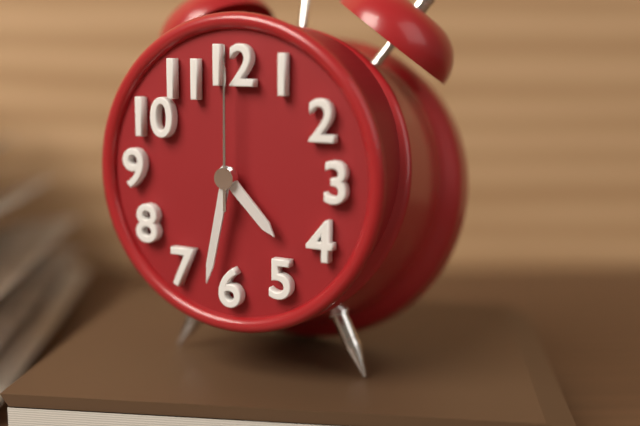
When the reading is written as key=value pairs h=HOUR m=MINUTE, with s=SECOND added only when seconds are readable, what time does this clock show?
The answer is h=4 m=32 s=0
